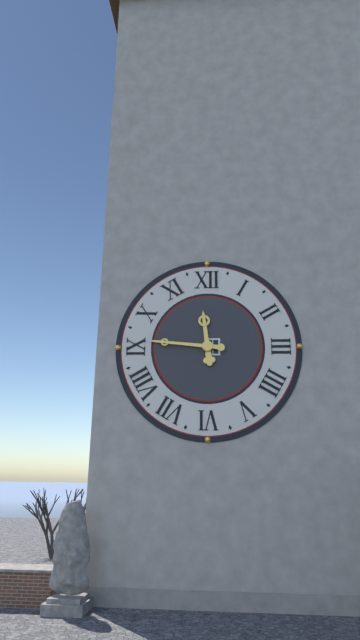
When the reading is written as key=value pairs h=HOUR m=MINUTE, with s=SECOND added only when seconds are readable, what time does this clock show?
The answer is h=11 m=46
